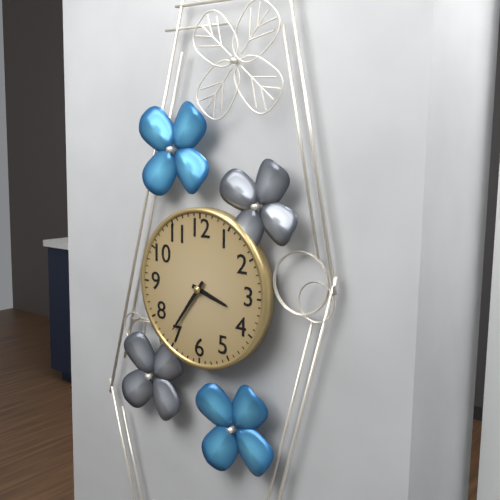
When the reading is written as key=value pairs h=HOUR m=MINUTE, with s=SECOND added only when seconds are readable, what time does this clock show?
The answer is h=3 m=36
